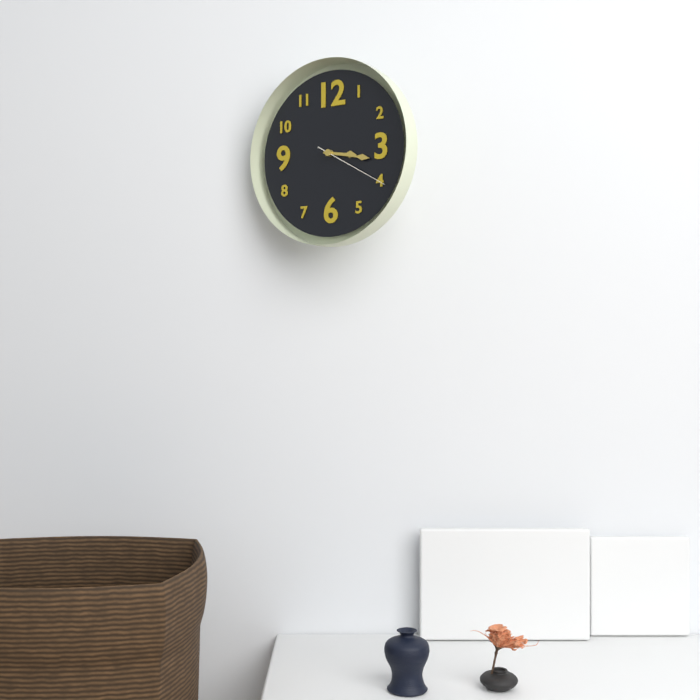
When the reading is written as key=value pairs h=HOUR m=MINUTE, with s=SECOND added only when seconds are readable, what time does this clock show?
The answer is h=3 m=17 s=20
